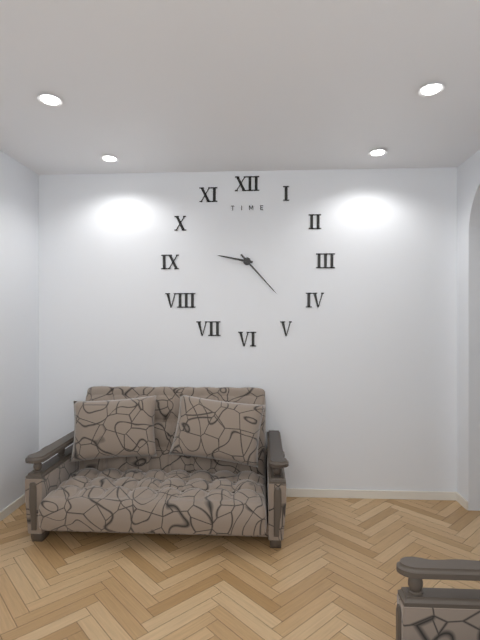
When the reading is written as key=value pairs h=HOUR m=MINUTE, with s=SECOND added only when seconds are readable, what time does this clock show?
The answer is h=9 m=23
